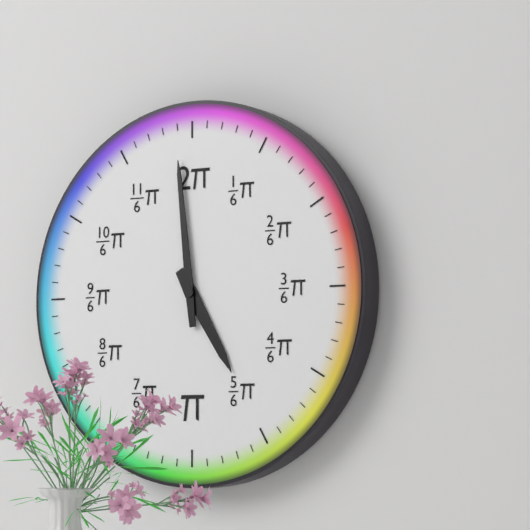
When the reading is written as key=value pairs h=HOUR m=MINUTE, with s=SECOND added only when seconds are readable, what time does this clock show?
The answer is h=4 m=59
